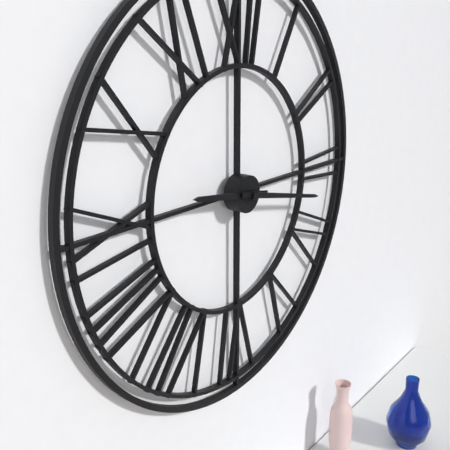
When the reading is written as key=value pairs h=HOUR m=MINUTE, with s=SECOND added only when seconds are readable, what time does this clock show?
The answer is h=9 m=17
